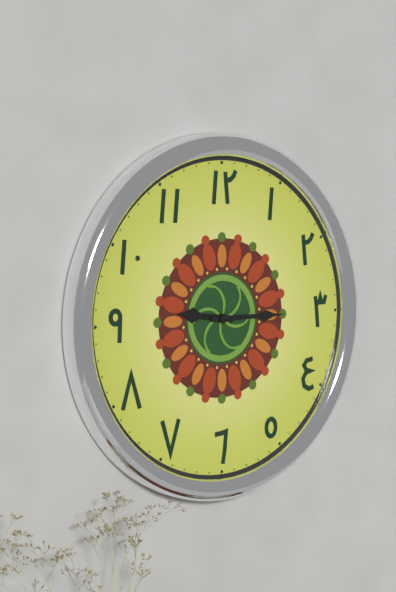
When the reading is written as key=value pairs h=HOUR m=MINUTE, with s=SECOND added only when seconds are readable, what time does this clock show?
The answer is h=9 m=15
